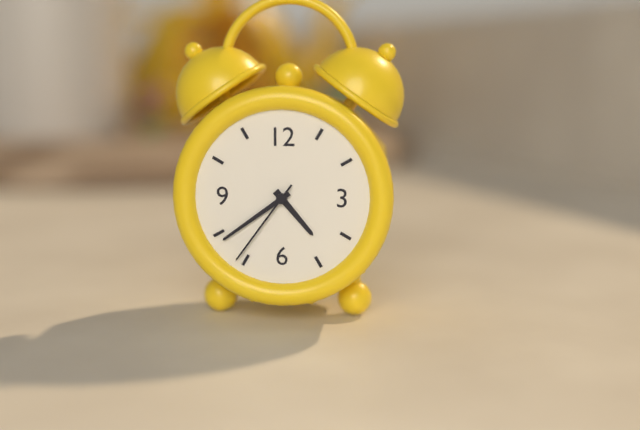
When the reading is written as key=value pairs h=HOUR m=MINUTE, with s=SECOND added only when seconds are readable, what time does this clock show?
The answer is h=4 m=39 s=36
